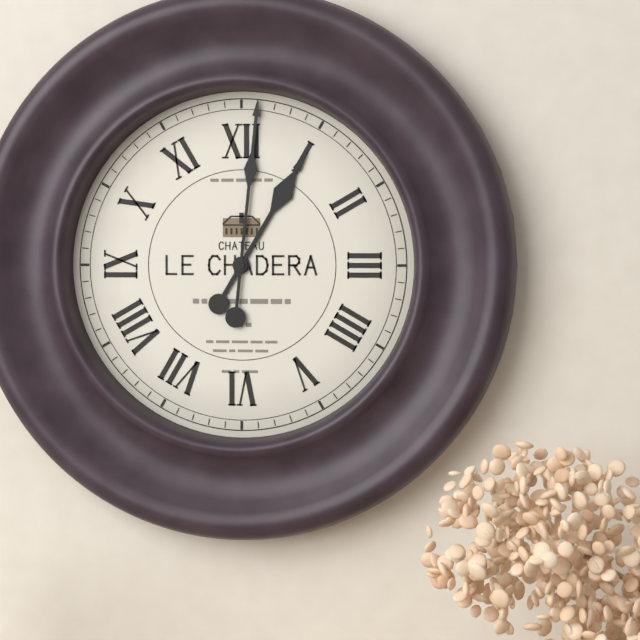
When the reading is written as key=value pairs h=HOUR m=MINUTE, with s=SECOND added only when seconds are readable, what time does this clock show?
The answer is h=1 m=1
